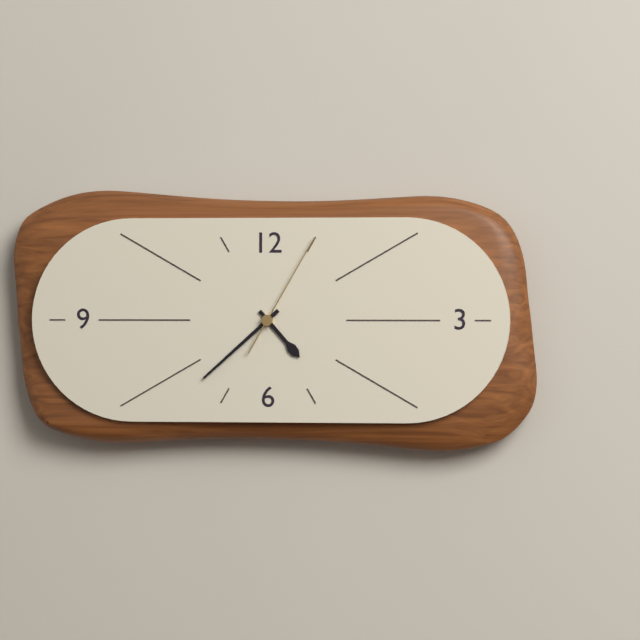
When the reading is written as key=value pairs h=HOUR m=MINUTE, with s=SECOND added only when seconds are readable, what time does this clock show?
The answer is h=4 m=38 s=5
